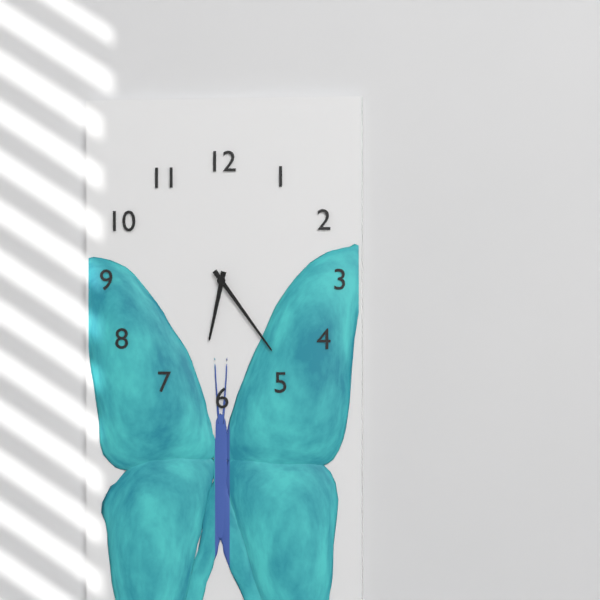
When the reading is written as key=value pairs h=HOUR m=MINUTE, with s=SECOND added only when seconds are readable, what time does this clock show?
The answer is h=6 m=24
